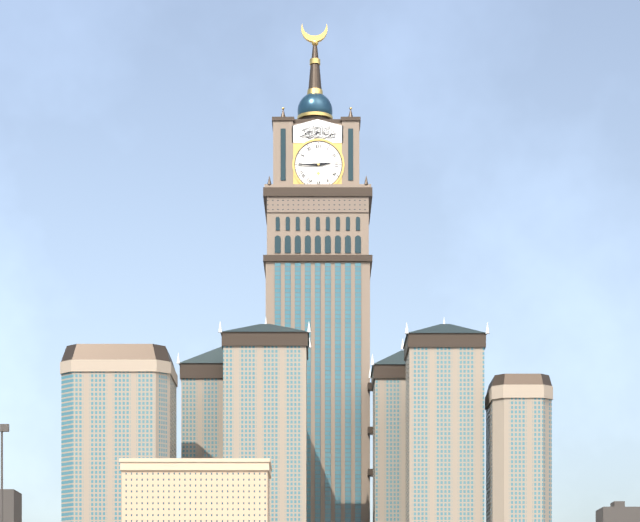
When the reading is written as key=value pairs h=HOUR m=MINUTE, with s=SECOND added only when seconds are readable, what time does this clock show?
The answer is h=2 m=45
